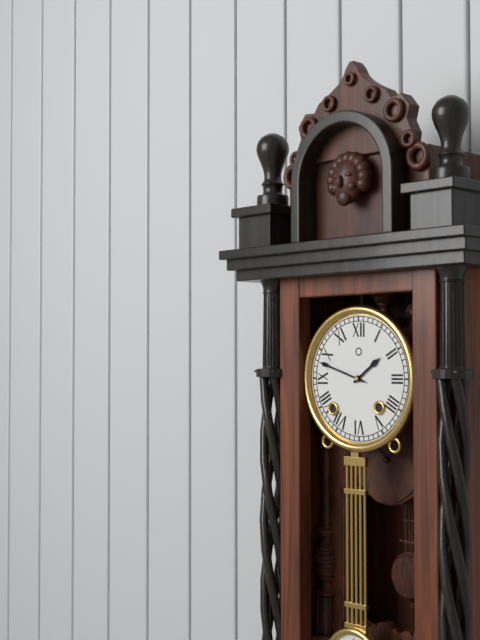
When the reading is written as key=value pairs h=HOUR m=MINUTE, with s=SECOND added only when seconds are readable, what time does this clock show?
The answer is h=1 m=48
